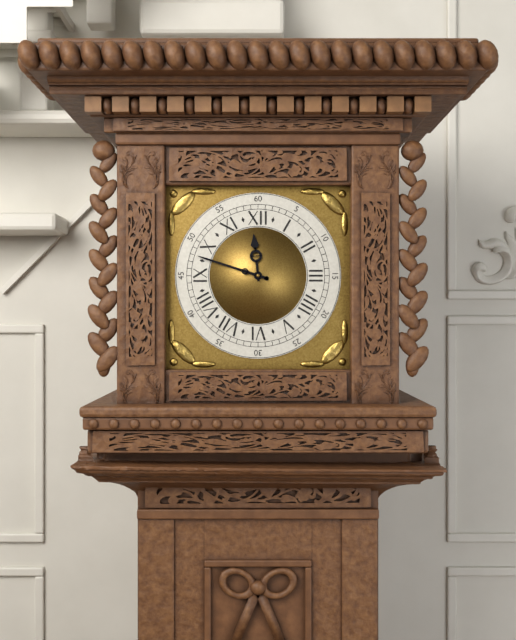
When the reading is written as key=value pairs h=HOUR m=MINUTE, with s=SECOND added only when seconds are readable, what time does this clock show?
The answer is h=11 m=48
